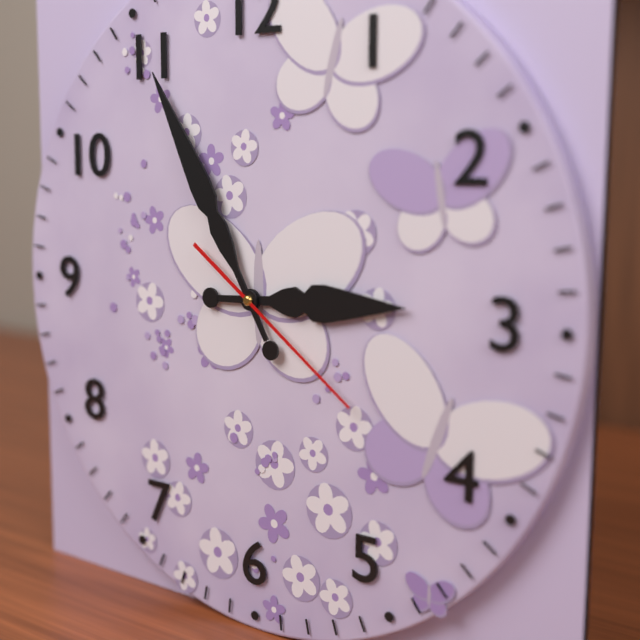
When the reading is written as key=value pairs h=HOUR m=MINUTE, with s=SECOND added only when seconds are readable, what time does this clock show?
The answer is h=2 m=55 s=21
